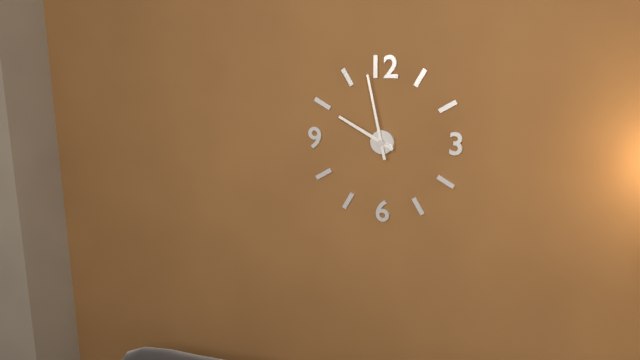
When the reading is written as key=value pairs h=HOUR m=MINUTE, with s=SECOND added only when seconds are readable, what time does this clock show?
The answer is h=9 m=58
